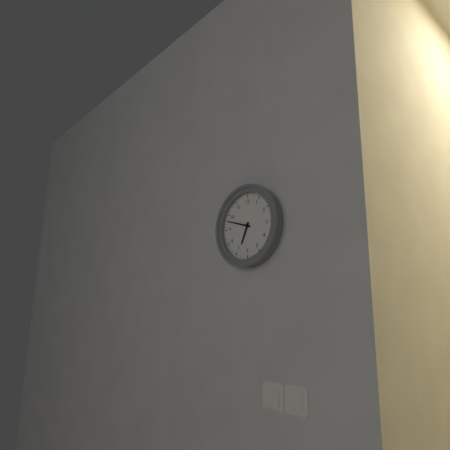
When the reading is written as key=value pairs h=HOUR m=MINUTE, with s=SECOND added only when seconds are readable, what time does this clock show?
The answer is h=6 m=48
